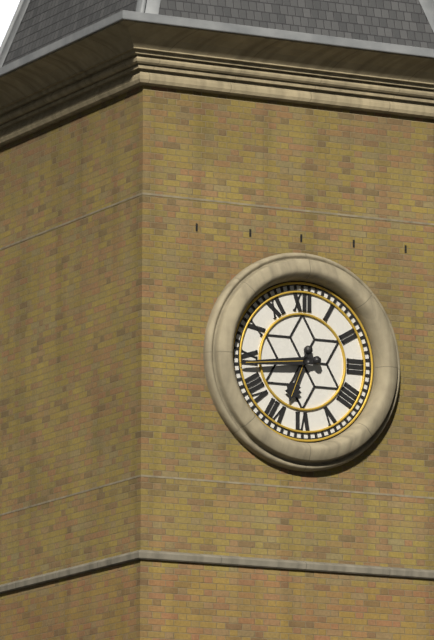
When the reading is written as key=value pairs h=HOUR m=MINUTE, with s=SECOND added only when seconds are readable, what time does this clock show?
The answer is h=6 m=44
